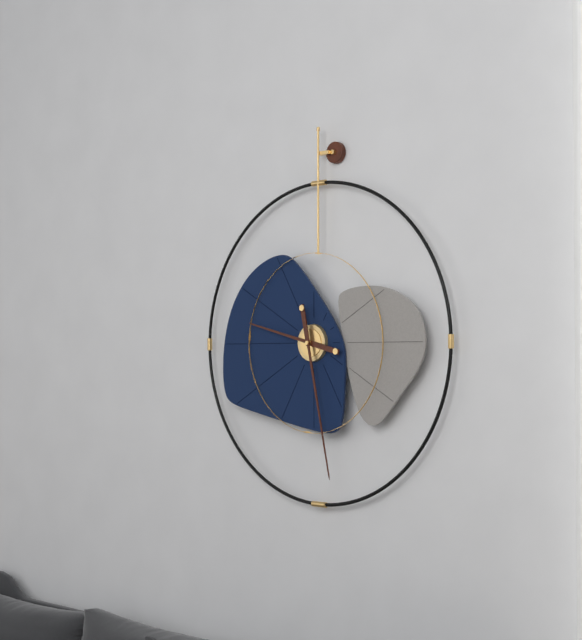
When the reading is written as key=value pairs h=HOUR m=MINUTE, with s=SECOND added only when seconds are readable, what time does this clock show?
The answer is h=9 m=28
